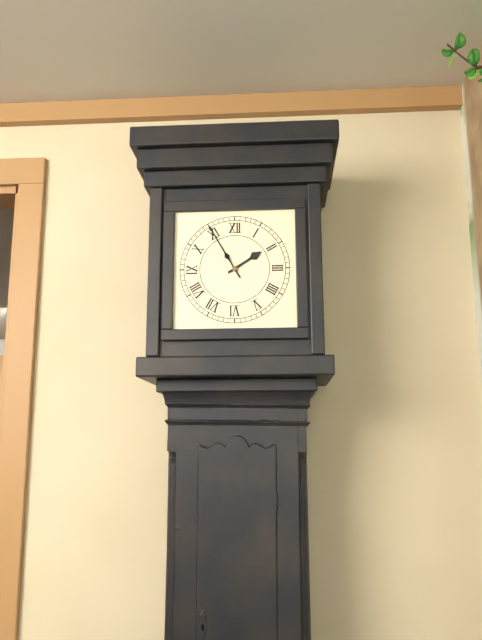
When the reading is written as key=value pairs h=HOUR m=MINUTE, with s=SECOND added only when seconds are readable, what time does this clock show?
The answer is h=1 m=55
